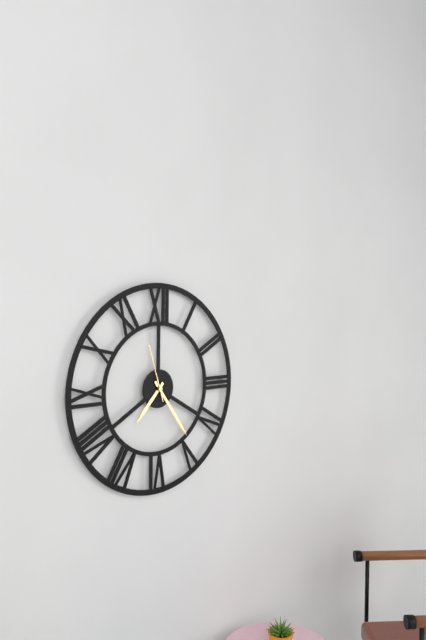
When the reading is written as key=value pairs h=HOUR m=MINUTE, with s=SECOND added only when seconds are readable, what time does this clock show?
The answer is h=7 m=24 s=57
